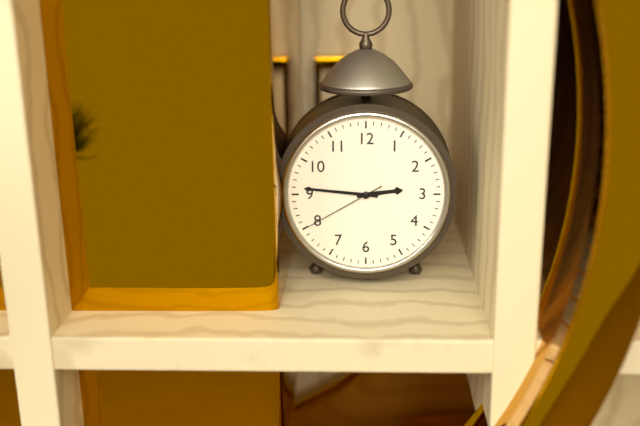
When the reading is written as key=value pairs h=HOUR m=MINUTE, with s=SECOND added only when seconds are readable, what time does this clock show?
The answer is h=2 m=46 s=40
